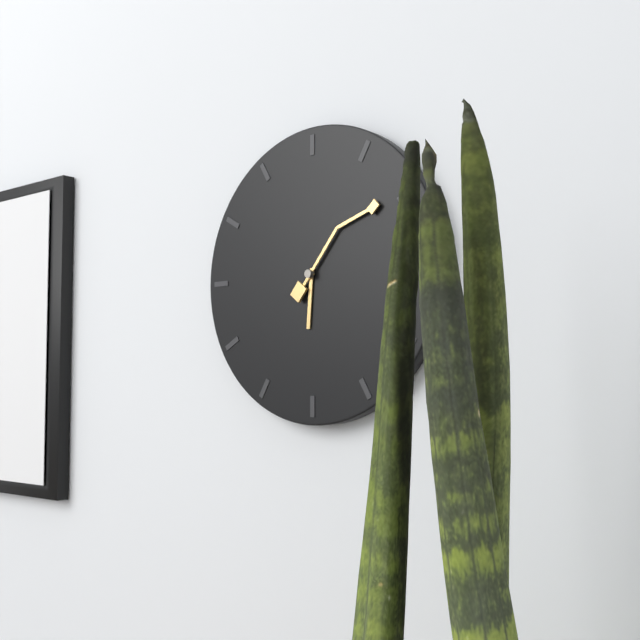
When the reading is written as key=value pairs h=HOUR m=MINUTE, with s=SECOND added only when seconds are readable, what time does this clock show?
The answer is h=6 m=9
